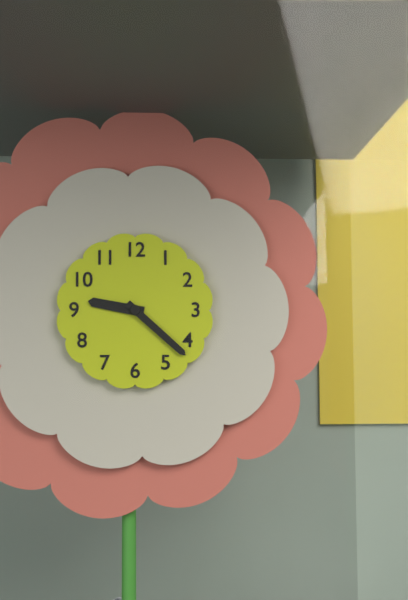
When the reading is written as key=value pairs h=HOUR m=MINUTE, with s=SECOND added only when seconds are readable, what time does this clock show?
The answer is h=9 m=22
